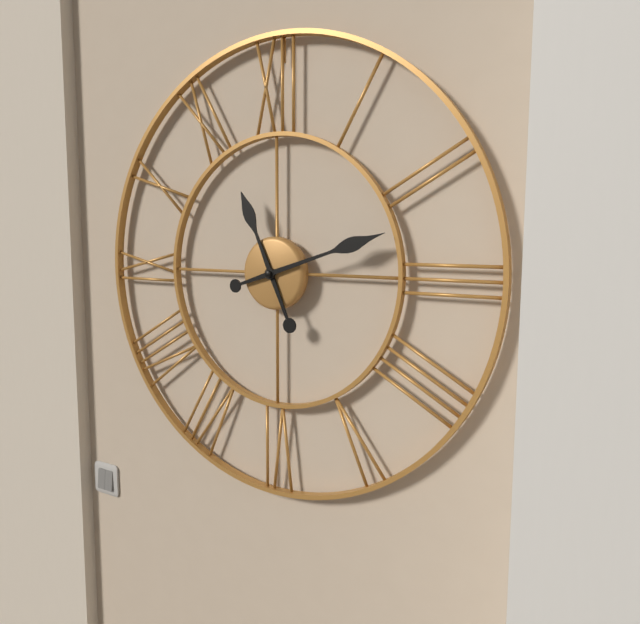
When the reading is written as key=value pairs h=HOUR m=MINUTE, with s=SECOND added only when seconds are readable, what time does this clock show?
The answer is h=11 m=12
